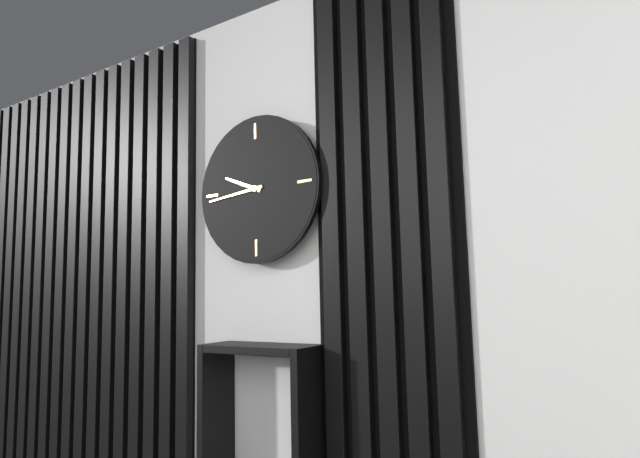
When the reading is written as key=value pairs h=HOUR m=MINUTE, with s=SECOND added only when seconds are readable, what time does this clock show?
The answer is h=9 m=44
